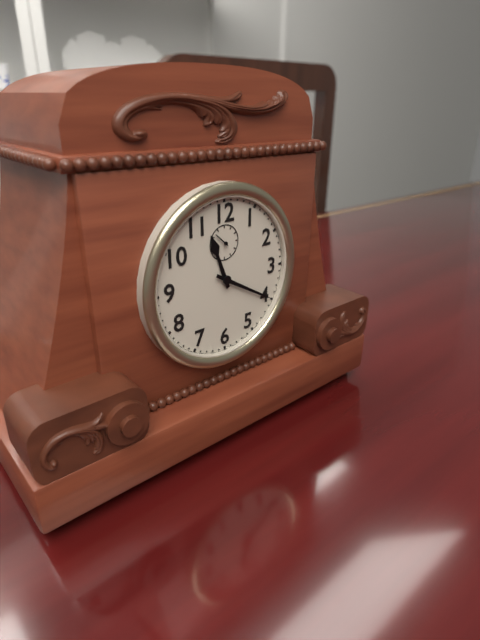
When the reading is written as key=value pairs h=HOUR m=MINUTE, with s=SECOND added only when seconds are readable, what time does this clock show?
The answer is h=11 m=20
